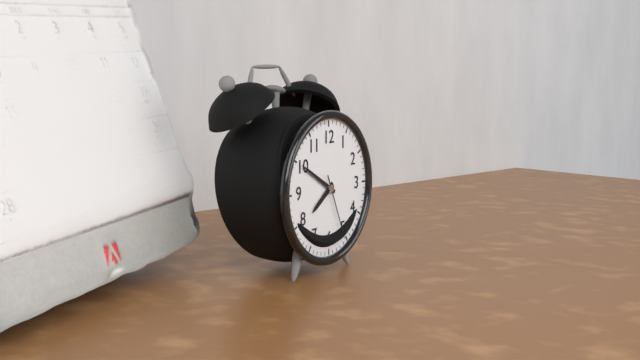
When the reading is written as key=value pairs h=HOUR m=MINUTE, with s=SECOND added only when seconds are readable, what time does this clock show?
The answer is h=7 m=50 s=26
